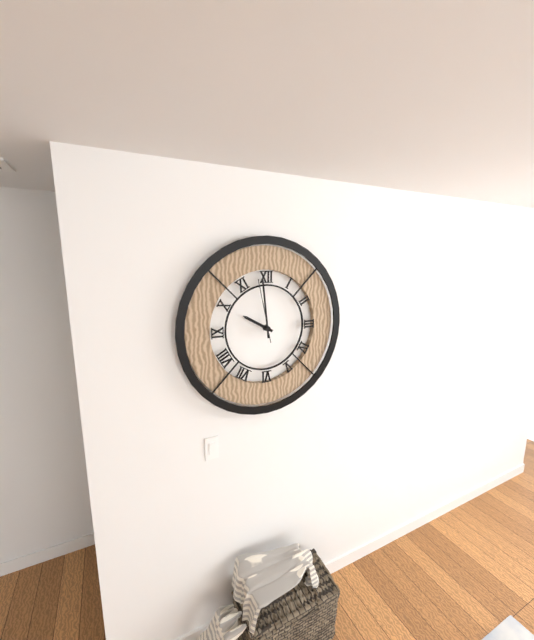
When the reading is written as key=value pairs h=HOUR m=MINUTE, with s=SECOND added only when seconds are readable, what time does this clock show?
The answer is h=9 m=59 s=58
